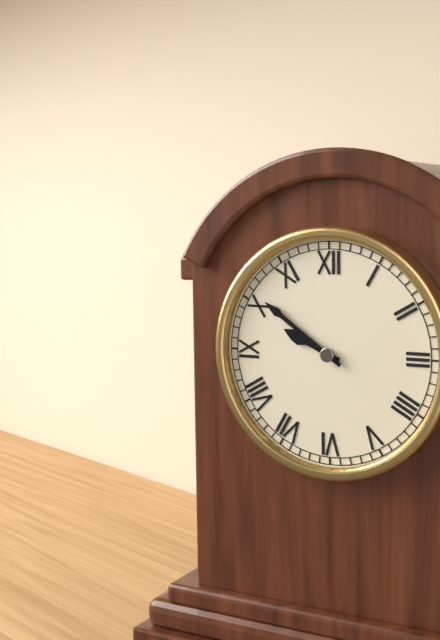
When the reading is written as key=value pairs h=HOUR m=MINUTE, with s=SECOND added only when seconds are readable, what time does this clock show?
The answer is h=9 m=51
